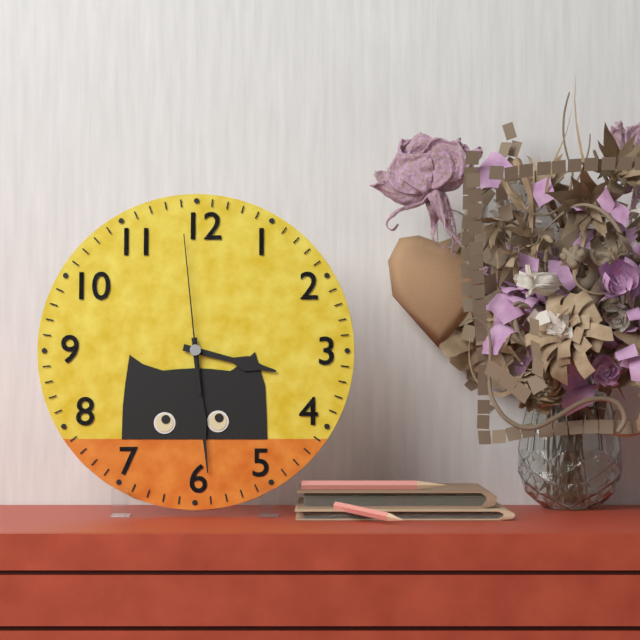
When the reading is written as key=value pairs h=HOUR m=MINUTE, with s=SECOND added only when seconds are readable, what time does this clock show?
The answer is h=3 m=29 s=59
